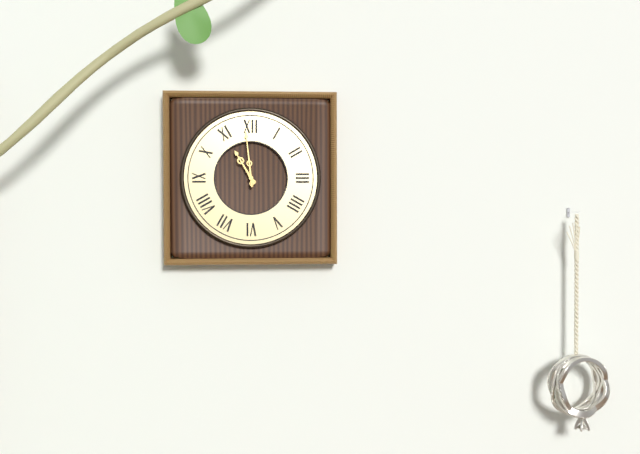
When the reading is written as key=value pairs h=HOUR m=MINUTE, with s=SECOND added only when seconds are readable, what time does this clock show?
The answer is h=10 m=59
